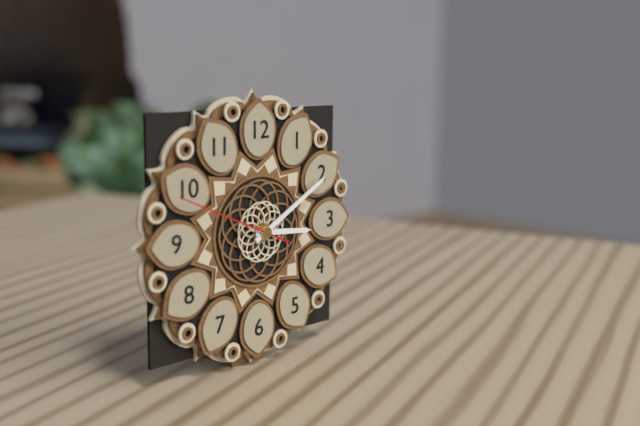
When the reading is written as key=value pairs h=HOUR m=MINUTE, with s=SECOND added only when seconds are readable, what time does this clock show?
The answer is h=3 m=10 s=49
